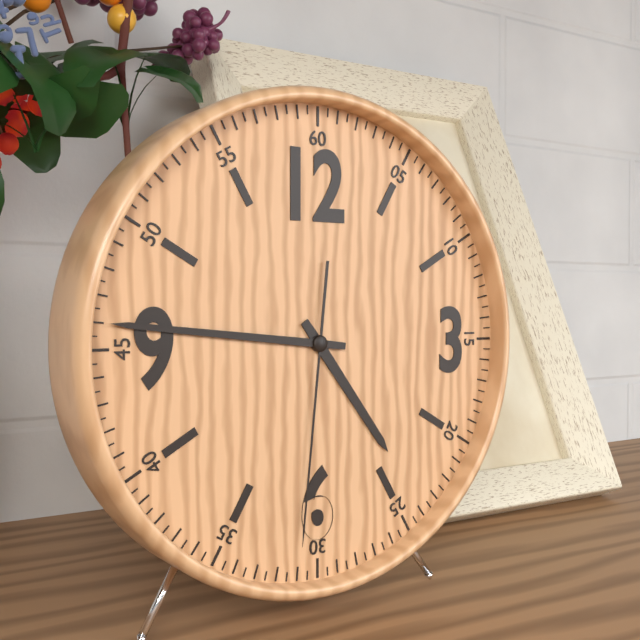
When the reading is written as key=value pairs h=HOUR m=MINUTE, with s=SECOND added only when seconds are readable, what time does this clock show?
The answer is h=4 m=46 s=31
